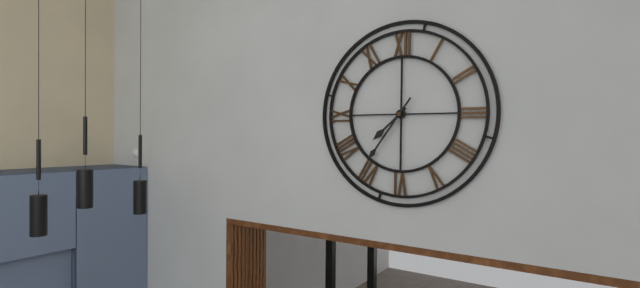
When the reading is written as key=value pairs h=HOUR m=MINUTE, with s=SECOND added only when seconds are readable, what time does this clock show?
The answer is h=7 m=36
